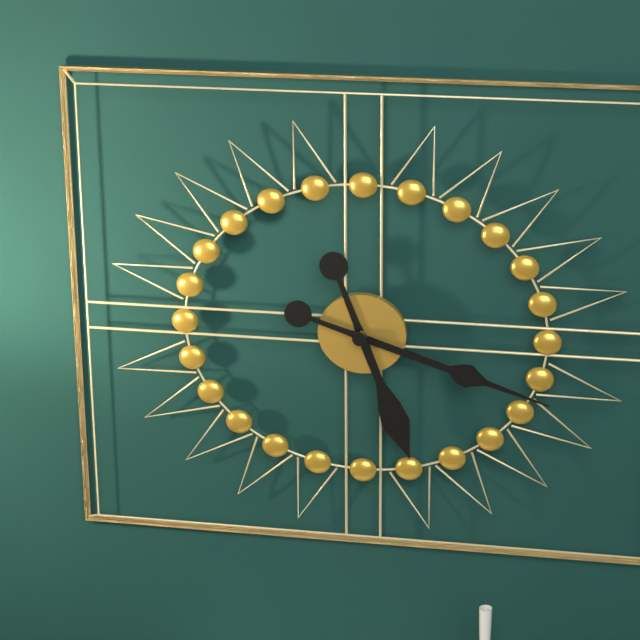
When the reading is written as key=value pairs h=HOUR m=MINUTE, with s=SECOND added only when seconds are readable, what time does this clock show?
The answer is h=5 m=18
